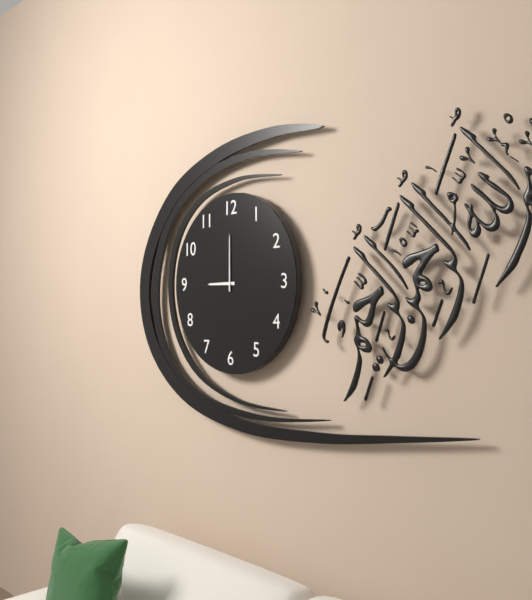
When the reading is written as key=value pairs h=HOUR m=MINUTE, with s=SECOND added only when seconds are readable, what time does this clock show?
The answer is h=9 m=0
